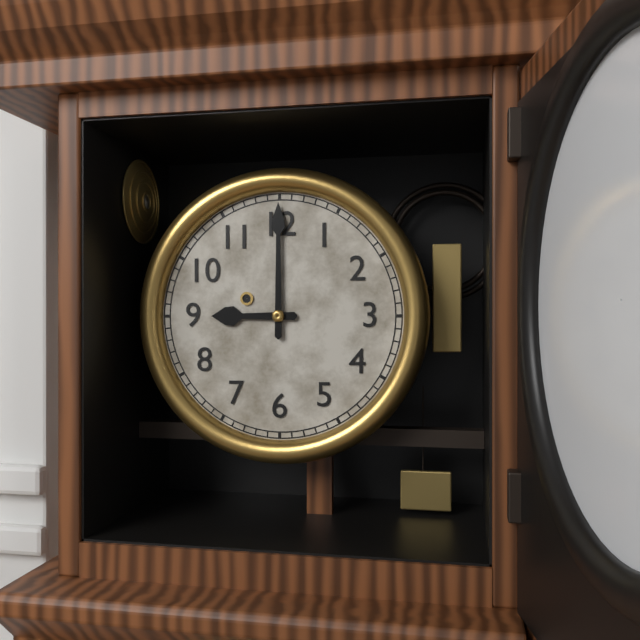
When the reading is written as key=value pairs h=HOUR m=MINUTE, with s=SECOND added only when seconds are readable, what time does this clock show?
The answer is h=9 m=0
